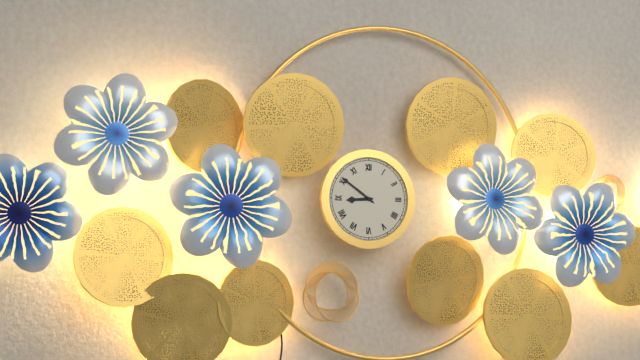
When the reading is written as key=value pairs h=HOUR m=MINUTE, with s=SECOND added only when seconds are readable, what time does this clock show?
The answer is h=8 m=51
